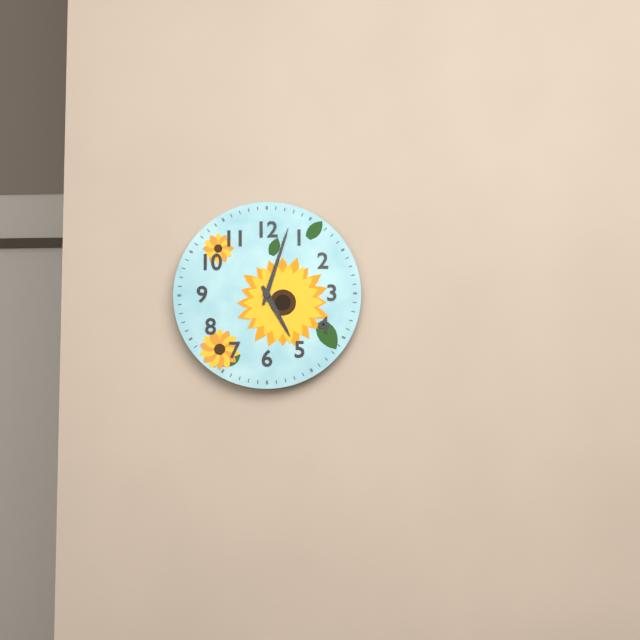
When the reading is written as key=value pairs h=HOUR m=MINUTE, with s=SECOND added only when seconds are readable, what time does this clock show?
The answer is h=5 m=3
